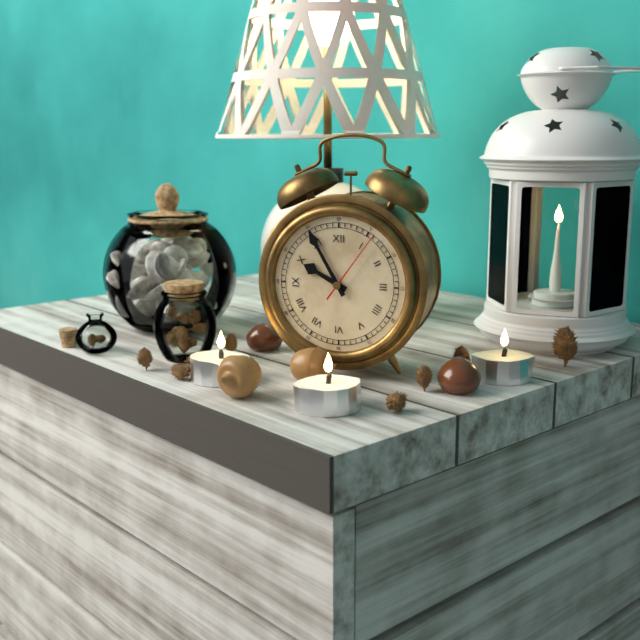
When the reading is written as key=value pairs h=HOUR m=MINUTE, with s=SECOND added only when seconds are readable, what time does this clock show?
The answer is h=9 m=55 s=6
